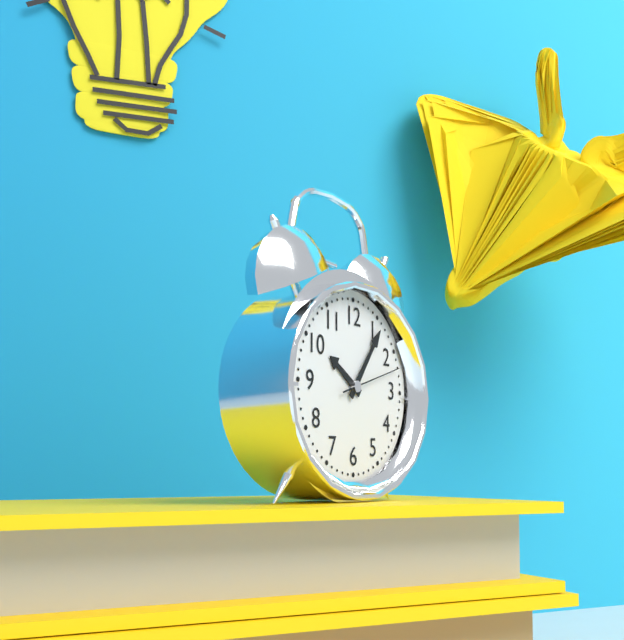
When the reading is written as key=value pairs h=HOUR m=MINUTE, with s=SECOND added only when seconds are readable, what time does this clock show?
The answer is h=10 m=6 s=12
